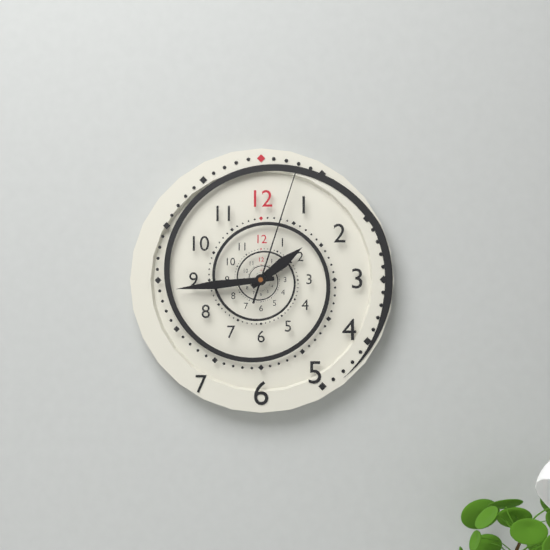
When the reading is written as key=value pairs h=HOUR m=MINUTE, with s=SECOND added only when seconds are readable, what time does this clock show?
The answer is h=1 m=44 s=3
